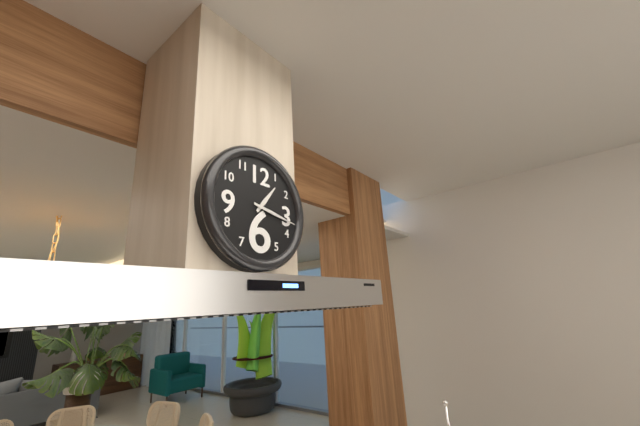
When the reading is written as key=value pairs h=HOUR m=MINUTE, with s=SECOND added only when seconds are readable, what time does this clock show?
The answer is h=1 m=17
